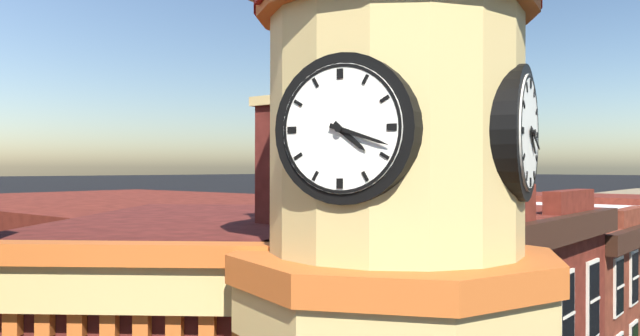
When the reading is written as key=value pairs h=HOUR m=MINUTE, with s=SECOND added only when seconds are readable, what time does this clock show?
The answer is h=4 m=18
